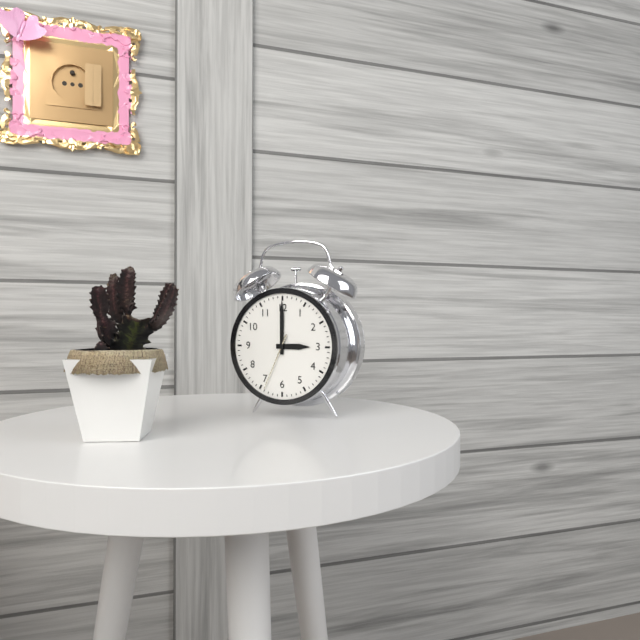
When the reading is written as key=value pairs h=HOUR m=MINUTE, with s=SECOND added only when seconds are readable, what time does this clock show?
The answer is h=3 m=0 s=34
